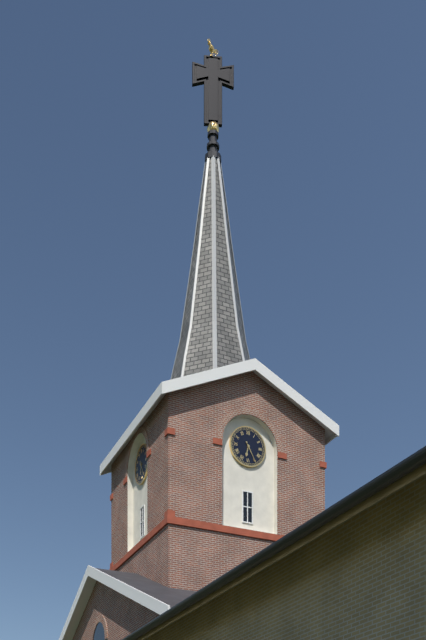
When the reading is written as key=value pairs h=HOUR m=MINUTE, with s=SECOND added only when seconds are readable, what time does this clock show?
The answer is h=6 m=25
